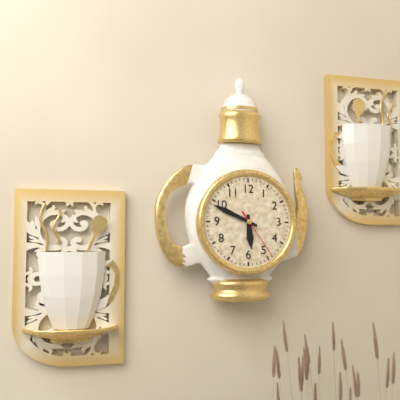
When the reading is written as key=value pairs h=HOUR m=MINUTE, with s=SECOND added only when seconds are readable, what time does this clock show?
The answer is h=5 m=49 s=24
